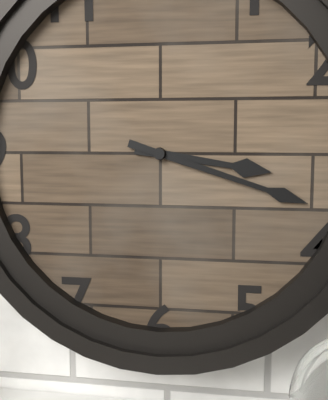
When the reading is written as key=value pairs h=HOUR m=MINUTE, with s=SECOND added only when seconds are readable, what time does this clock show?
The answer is h=3 m=18
